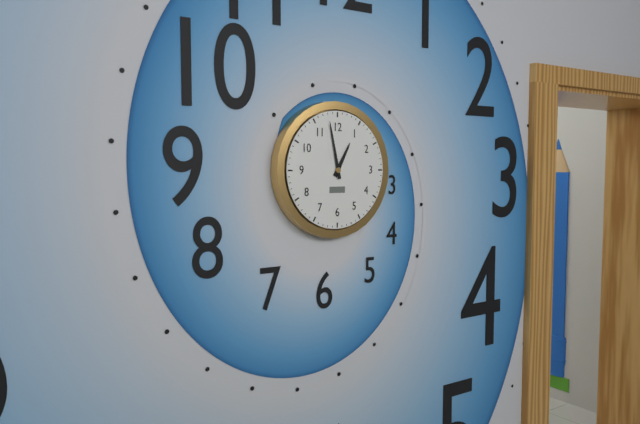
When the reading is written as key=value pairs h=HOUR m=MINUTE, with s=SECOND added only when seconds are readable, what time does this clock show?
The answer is h=12 m=58
